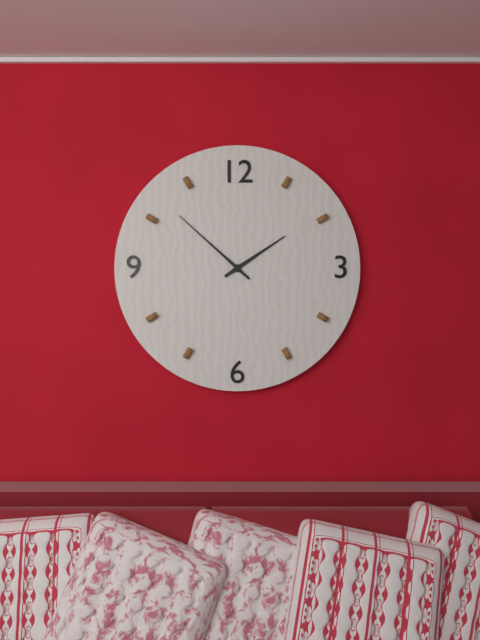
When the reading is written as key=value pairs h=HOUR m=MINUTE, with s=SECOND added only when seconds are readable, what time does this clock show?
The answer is h=1 m=52
